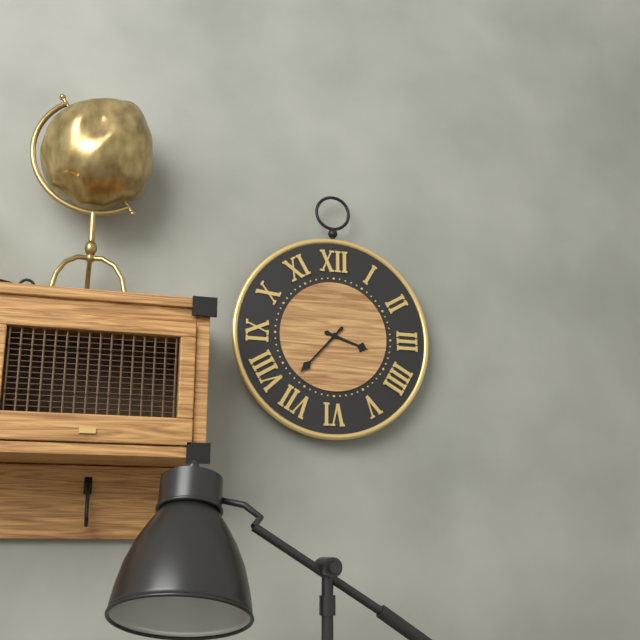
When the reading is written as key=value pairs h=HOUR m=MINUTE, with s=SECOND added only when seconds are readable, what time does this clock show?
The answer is h=3 m=37
